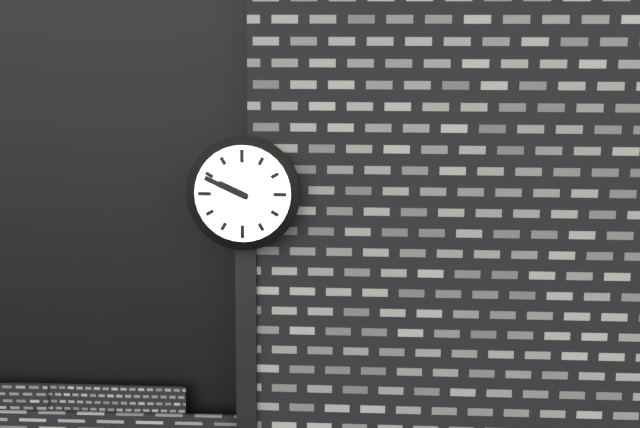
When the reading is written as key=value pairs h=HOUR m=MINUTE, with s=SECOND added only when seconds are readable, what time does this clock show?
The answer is h=9 m=49
